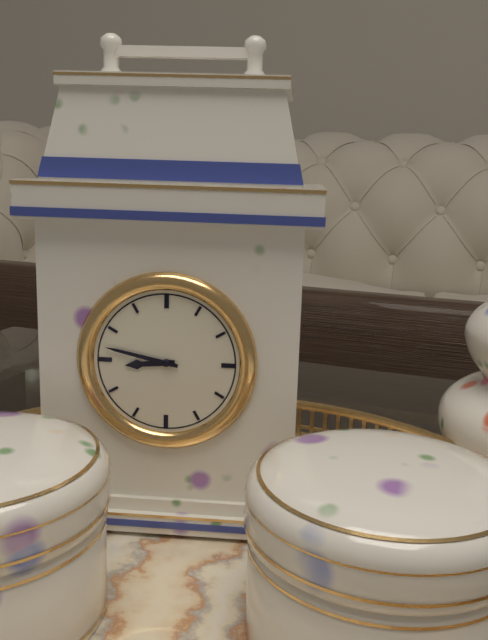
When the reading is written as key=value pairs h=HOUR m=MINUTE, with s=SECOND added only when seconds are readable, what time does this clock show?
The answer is h=8 m=47
